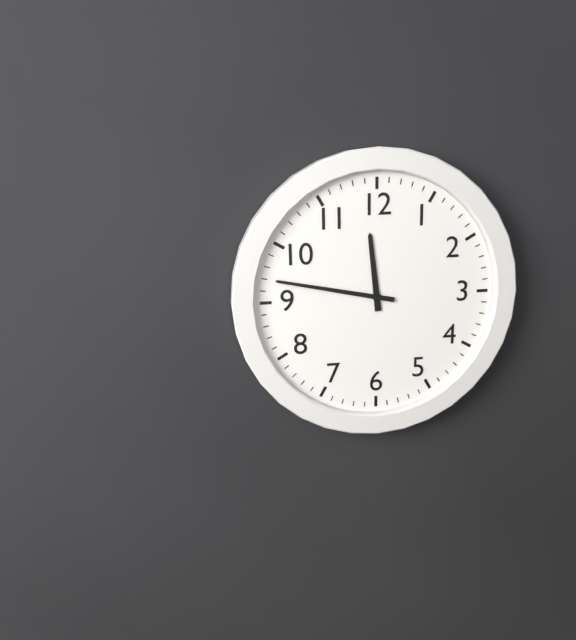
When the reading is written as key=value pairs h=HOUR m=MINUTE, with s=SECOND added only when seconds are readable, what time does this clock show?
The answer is h=11 m=47
